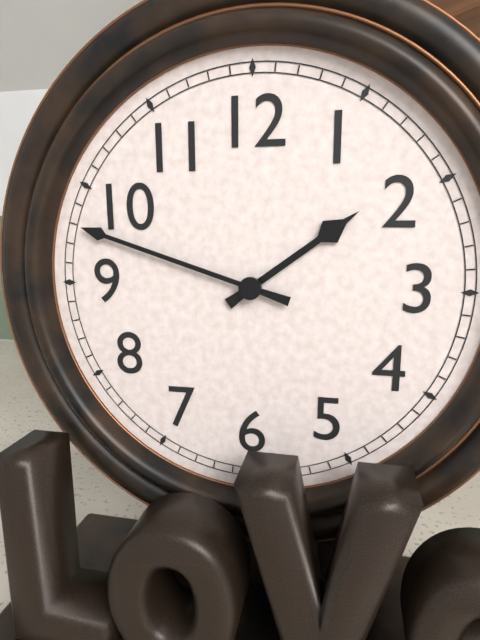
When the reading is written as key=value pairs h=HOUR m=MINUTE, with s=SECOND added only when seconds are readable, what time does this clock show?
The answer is h=1 m=48
